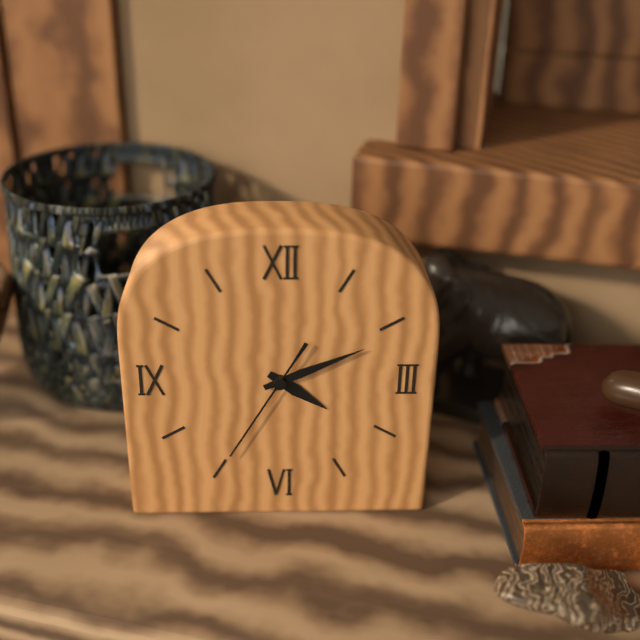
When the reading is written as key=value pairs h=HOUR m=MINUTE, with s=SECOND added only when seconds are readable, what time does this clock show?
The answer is h=4 m=11 s=35
